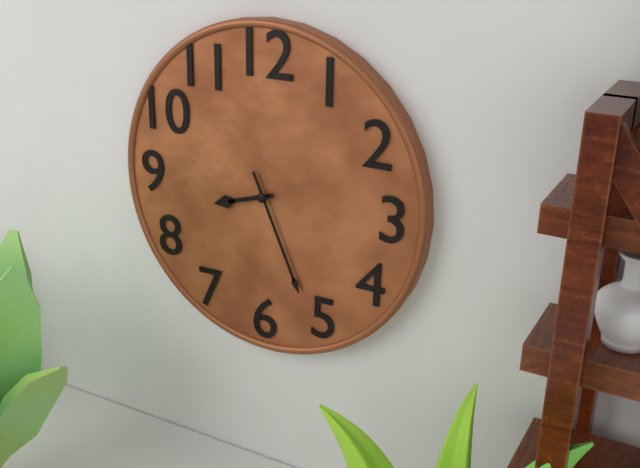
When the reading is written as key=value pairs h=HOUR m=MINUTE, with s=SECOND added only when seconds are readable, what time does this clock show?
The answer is h=8 m=26
